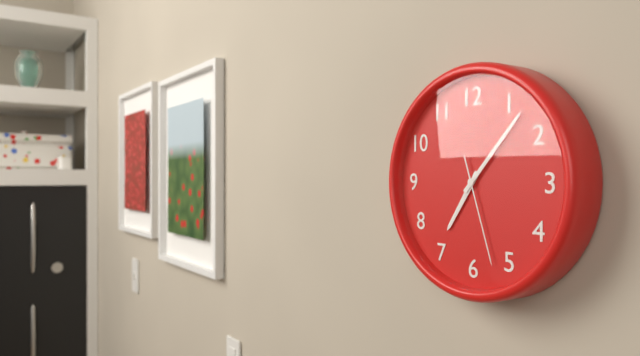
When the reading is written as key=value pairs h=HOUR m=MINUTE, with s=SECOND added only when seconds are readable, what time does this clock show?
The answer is h=7 m=7 s=27
